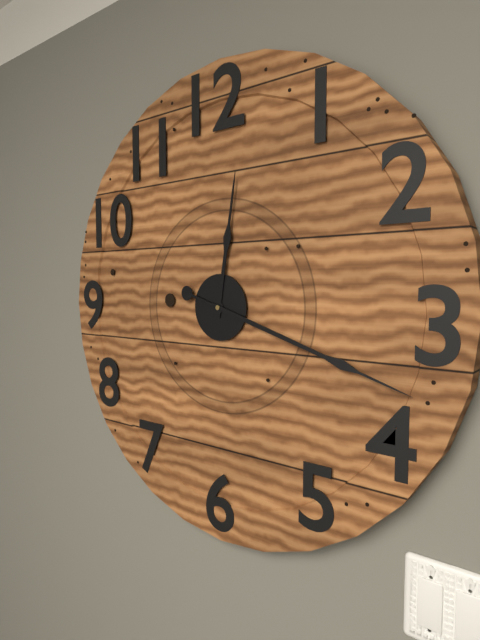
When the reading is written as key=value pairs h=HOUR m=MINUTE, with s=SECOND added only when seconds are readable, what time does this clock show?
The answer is h=12 m=18
